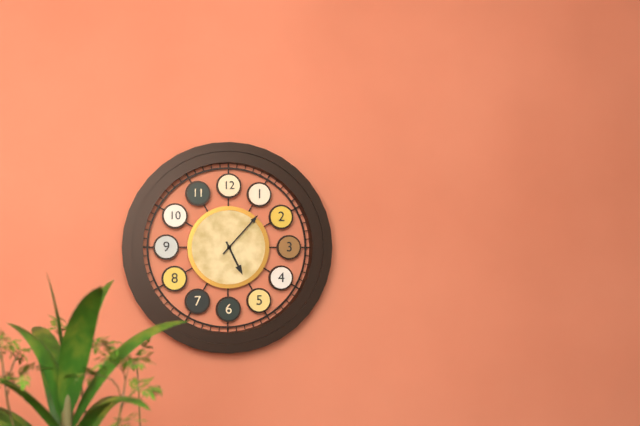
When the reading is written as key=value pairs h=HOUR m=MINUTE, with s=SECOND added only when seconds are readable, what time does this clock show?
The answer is h=5 m=7
